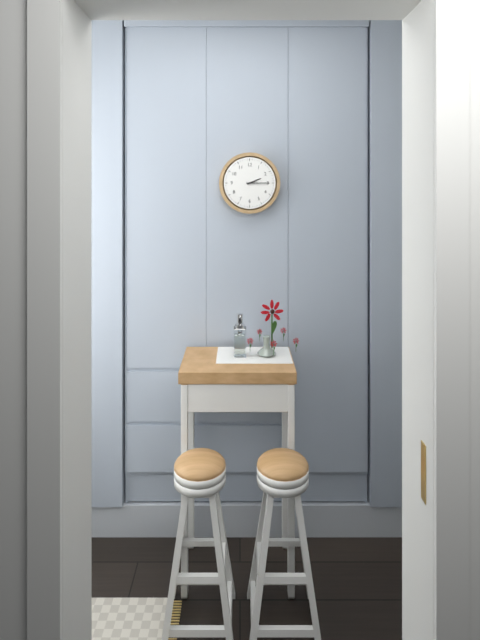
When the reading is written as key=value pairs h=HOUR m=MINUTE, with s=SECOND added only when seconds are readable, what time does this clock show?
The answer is h=2 m=15
